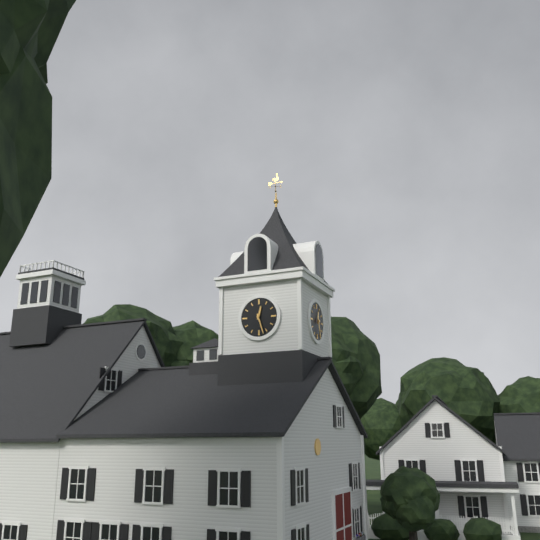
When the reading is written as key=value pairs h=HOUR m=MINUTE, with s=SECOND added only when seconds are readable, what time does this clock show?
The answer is h=12 m=27
